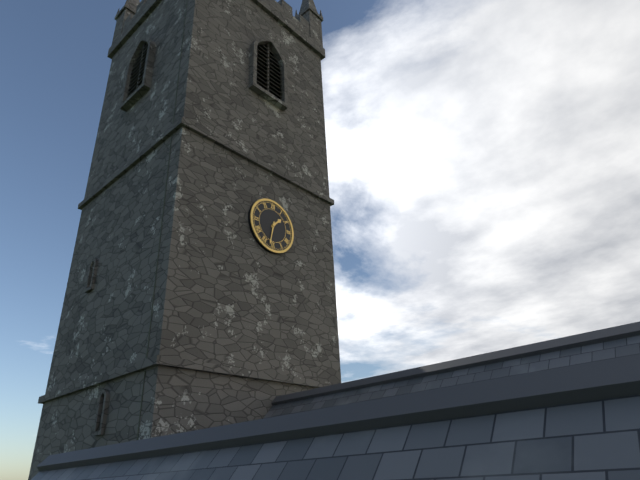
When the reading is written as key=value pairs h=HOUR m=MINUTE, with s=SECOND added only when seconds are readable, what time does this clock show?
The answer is h=1 m=32
